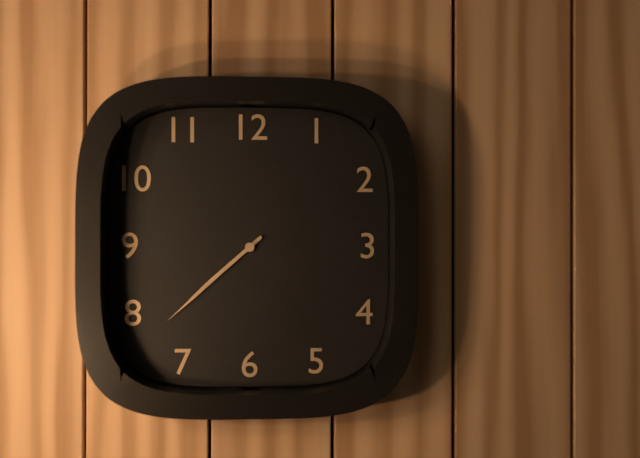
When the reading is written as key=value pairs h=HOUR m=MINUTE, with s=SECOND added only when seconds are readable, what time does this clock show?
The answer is h=7 m=38
